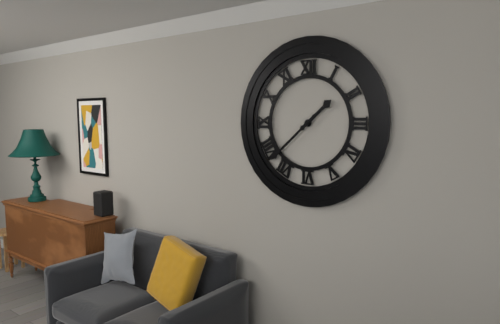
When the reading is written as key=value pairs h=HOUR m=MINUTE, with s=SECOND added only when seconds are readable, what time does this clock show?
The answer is h=1 m=38
